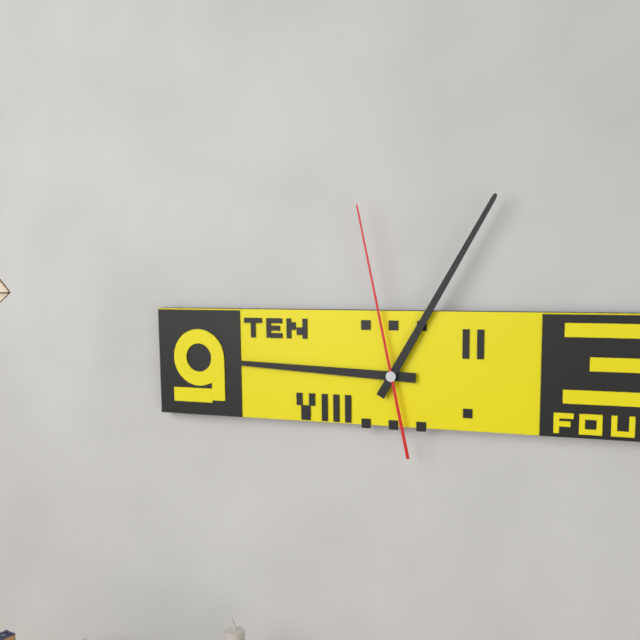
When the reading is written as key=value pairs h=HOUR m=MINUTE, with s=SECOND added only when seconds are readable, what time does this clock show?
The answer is h=9 m=5 s=58
